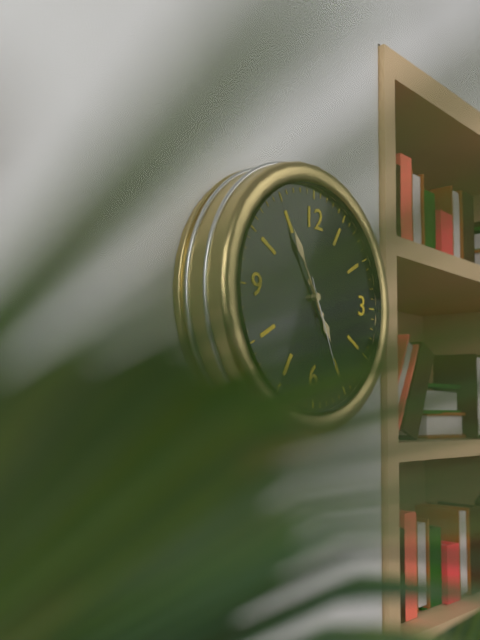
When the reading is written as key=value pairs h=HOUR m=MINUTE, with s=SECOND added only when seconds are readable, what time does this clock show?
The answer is h=4 m=55 s=26
